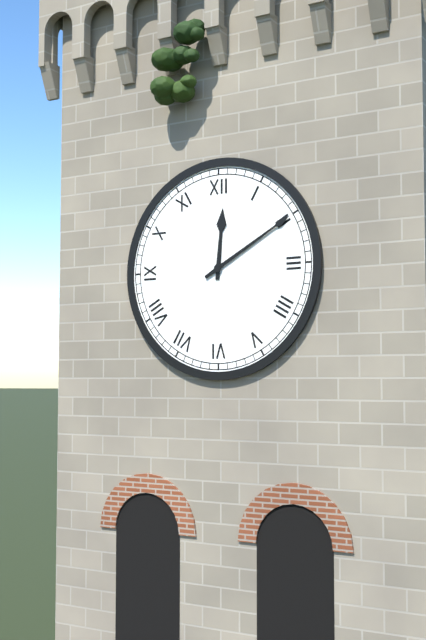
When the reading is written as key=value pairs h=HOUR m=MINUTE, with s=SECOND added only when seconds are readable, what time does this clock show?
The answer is h=12 m=10
